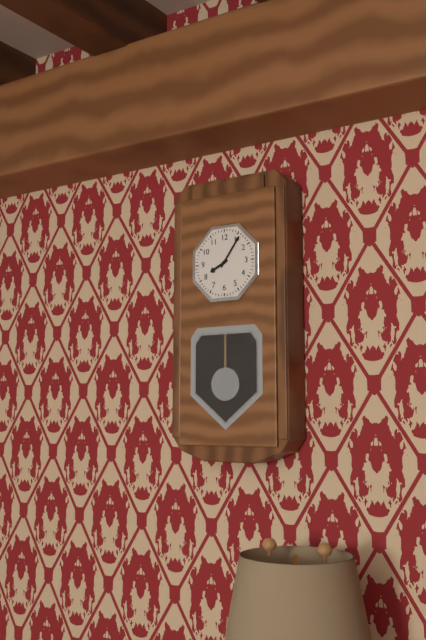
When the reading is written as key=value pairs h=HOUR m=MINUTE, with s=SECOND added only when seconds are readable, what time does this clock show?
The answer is h=8 m=6
